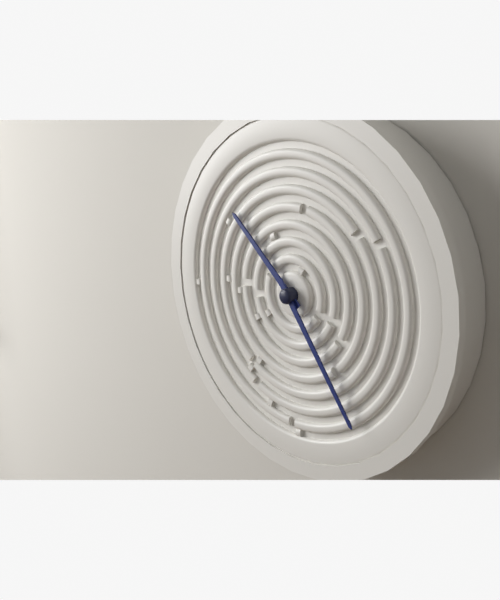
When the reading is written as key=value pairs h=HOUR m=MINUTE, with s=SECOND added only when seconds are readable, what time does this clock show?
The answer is h=10 m=24
